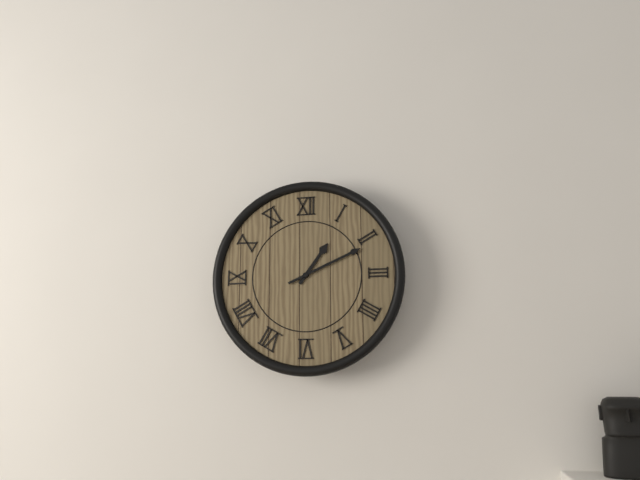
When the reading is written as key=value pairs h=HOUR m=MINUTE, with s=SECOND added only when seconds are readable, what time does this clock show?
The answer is h=1 m=11
